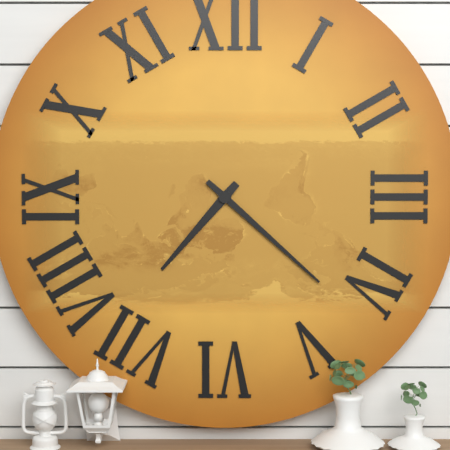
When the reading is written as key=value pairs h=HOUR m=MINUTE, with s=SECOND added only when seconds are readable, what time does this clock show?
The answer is h=7 m=22
